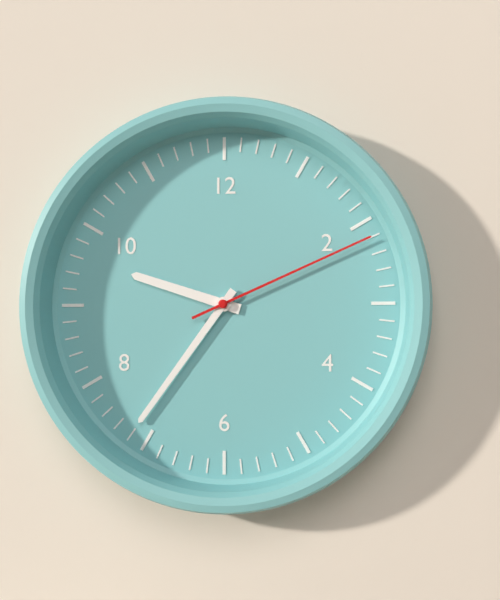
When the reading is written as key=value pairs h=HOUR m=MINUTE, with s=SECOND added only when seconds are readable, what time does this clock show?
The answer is h=9 m=36 s=11
